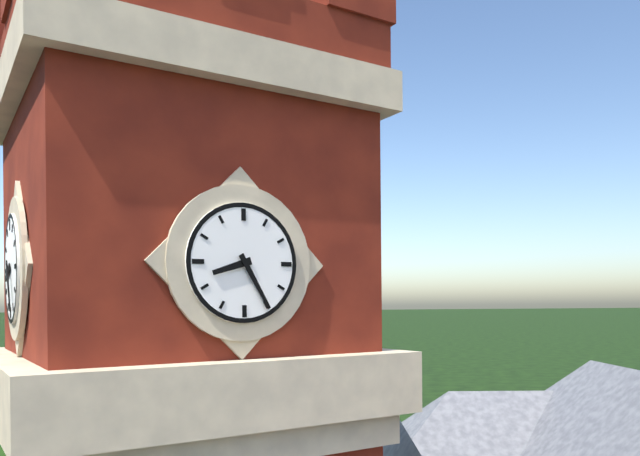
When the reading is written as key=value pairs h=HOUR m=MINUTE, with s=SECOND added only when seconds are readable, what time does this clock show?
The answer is h=8 m=25
